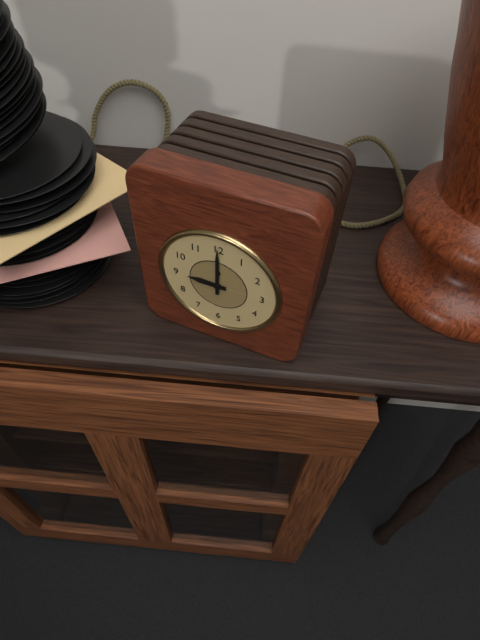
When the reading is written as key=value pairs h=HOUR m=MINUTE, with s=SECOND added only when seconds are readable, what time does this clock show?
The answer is h=9 m=0
